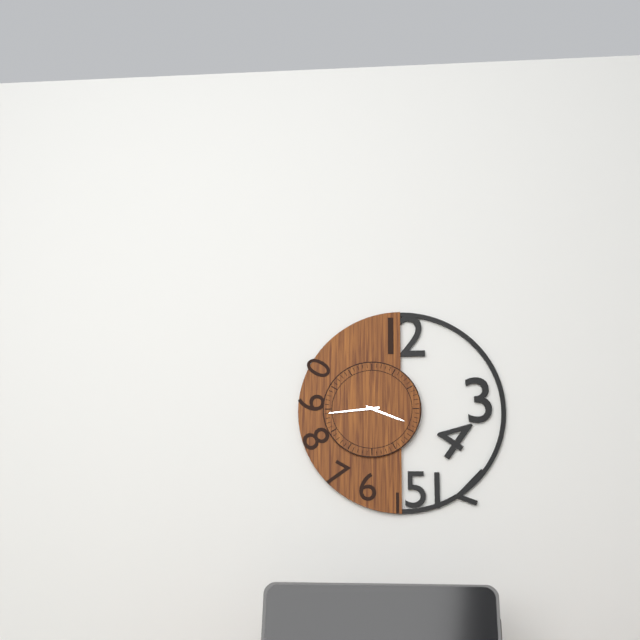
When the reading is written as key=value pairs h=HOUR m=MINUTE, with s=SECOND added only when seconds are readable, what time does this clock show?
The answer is h=3 m=44
